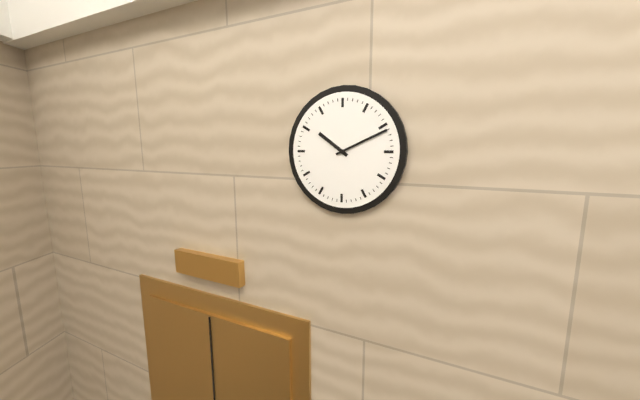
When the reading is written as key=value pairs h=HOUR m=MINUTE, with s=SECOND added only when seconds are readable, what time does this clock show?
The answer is h=10 m=11
